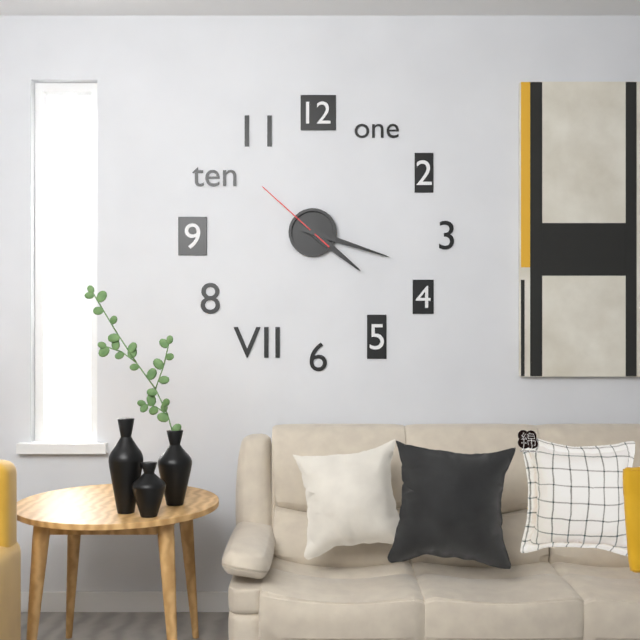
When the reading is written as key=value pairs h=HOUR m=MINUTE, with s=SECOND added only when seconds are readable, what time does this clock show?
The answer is h=4 m=18 s=52
